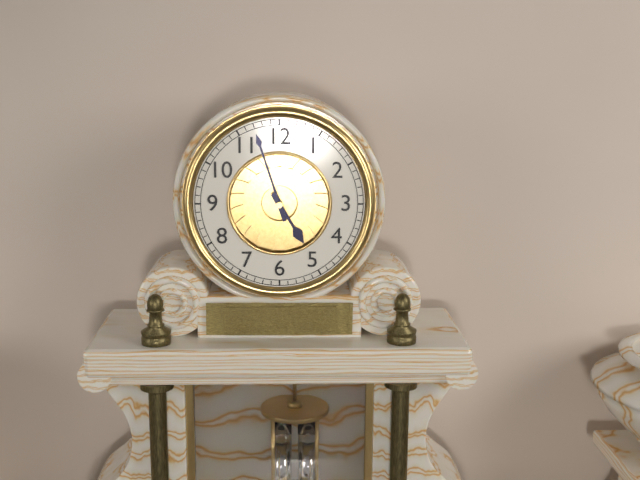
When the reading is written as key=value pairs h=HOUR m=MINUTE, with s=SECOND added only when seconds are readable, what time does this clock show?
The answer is h=4 m=57
